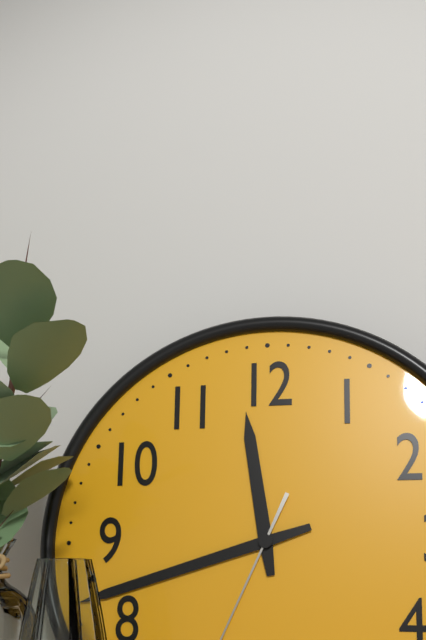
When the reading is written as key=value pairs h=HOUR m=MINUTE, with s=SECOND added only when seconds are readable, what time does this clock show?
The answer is h=11 m=42
